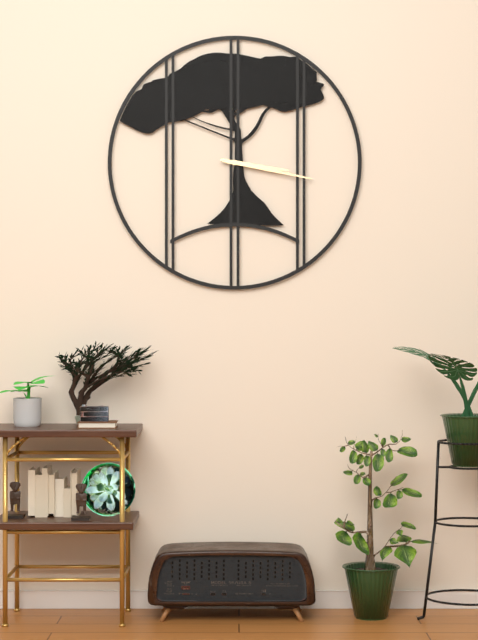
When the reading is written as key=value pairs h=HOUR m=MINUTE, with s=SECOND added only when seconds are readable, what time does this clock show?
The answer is h=3 m=17
